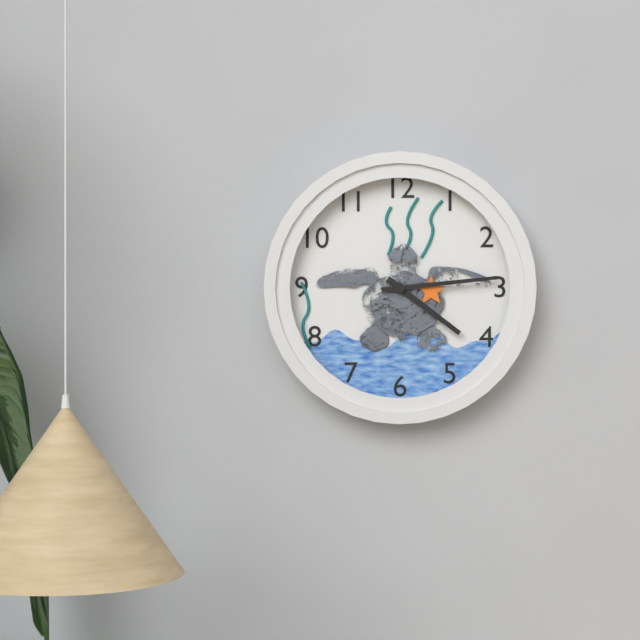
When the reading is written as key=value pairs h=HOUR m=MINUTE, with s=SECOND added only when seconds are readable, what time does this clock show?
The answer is h=4 m=14
